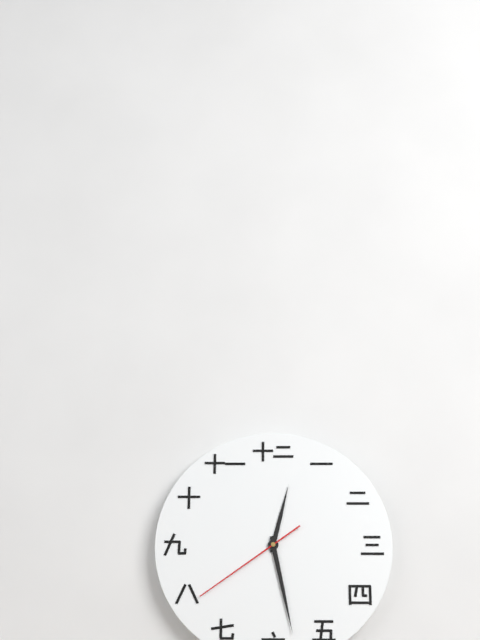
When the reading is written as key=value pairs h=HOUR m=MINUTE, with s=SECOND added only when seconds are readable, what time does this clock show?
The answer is h=12 m=28 s=39
